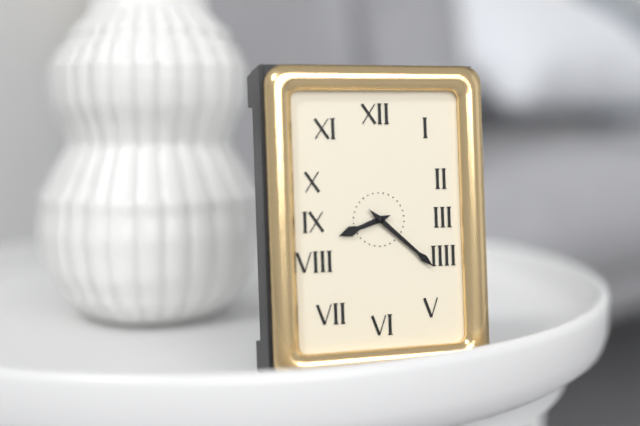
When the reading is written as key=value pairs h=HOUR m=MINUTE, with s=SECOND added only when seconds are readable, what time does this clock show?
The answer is h=8 m=22
